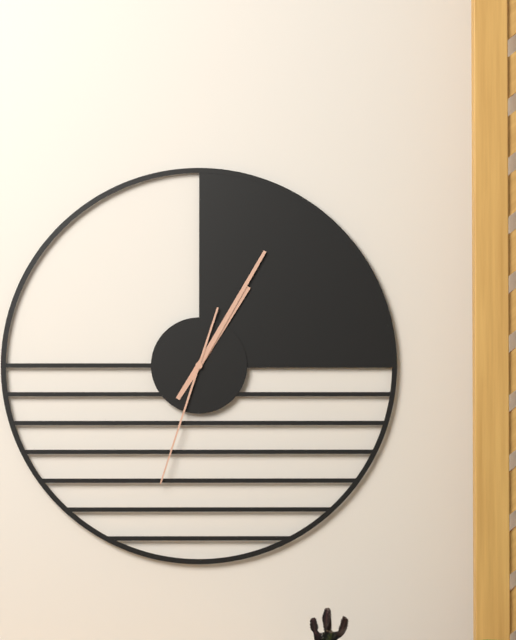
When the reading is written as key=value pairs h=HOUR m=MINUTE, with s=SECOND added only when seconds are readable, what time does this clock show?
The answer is h=1 m=5 s=33
